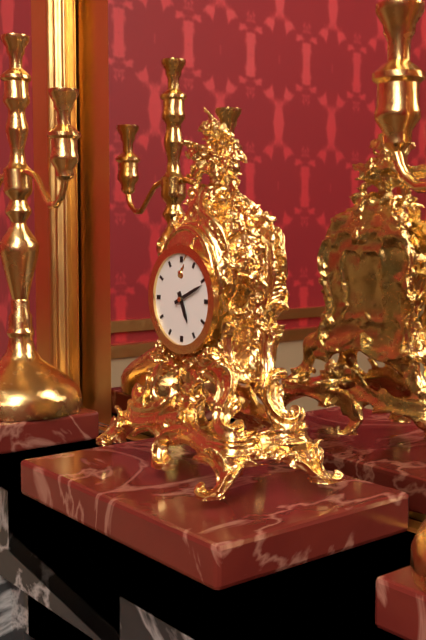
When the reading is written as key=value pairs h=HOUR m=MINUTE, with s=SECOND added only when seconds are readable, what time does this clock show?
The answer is h=5 m=11
